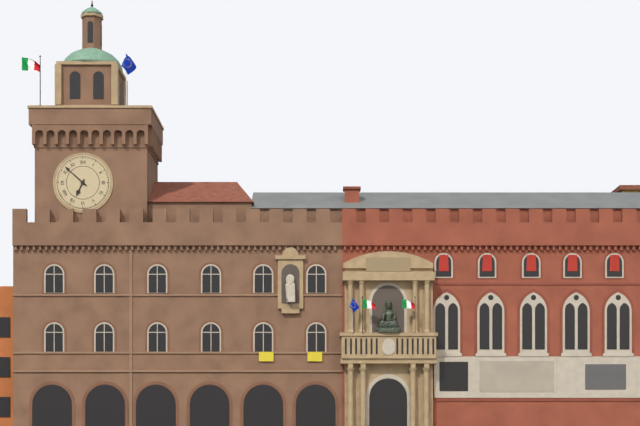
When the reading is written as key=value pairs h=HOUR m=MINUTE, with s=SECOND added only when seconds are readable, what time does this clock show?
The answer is h=6 m=52
